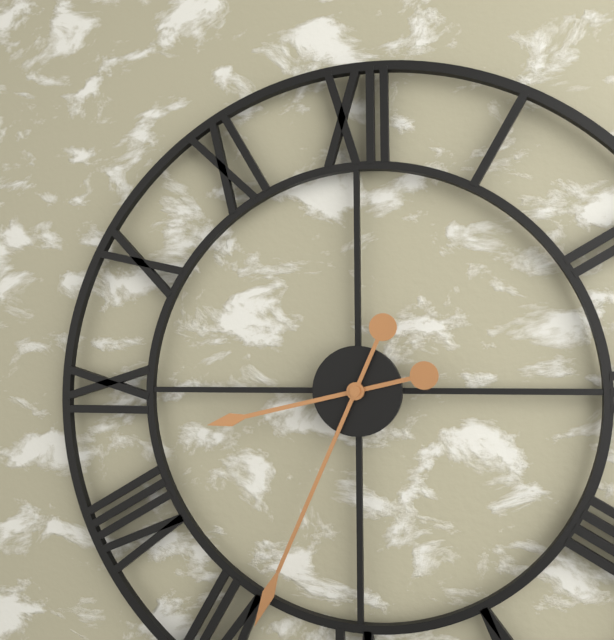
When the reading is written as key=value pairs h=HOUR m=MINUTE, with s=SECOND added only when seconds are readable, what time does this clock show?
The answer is h=8 m=34
